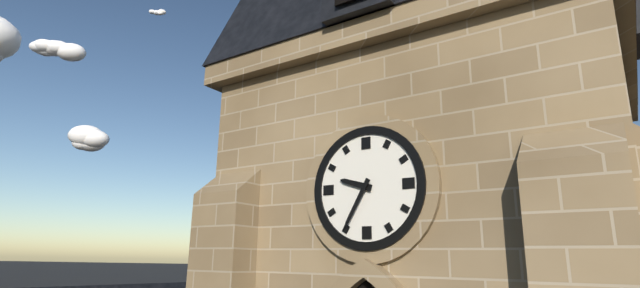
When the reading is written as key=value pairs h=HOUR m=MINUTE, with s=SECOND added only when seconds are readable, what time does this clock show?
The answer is h=9 m=35
